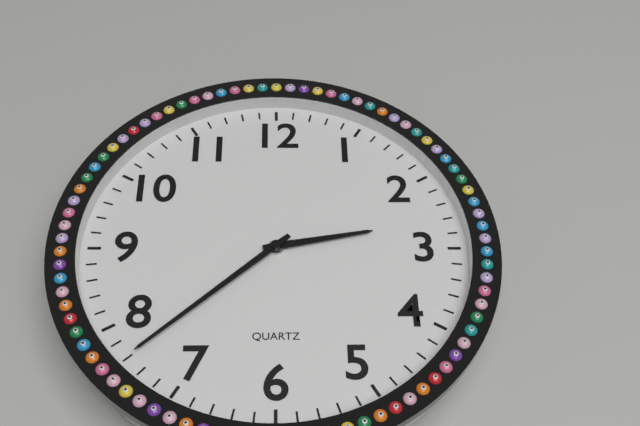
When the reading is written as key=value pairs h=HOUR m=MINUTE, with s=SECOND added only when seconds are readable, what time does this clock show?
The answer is h=2 m=38
